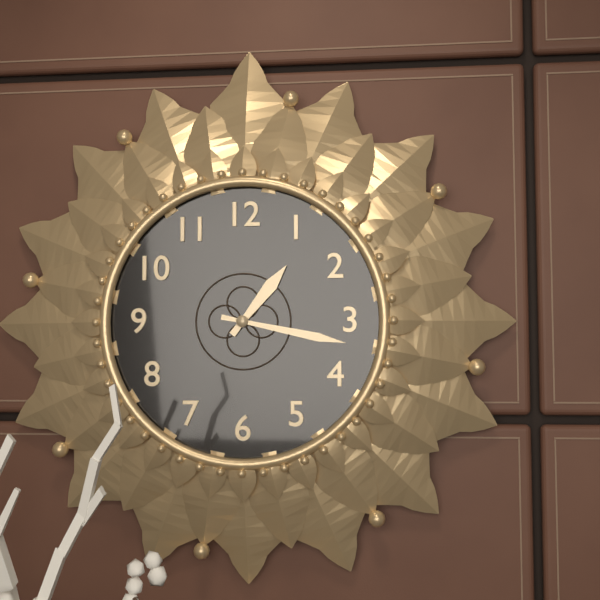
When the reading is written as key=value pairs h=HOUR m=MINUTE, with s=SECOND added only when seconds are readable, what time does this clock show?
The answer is h=1 m=17
